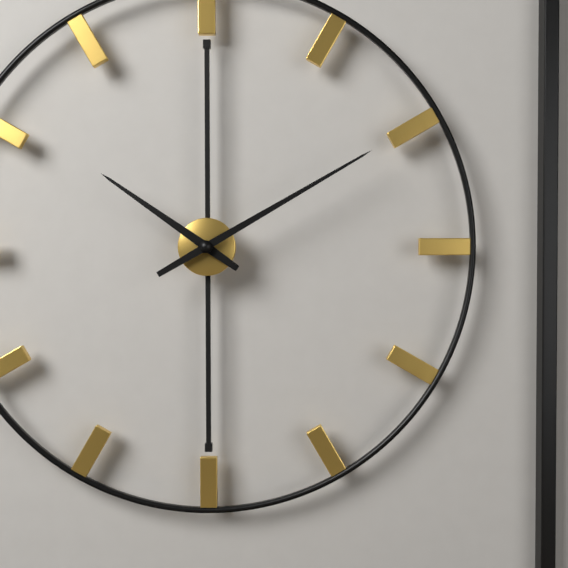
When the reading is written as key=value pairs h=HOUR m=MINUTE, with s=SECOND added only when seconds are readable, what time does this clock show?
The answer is h=10 m=10
